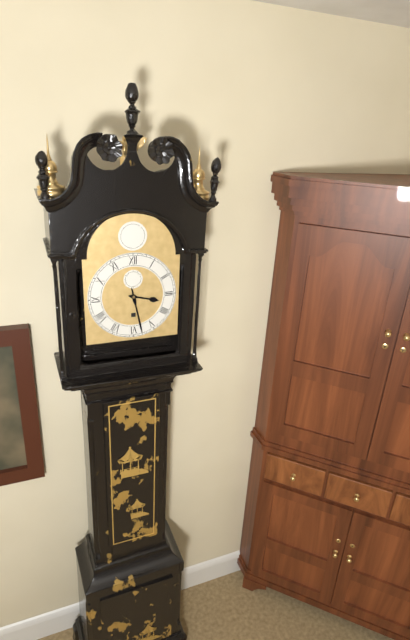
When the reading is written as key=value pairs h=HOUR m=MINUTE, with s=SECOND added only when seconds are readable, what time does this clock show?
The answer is h=3 m=28
